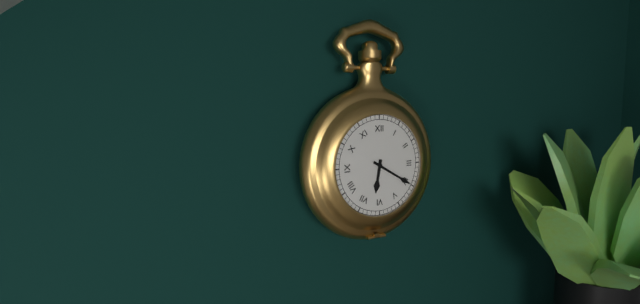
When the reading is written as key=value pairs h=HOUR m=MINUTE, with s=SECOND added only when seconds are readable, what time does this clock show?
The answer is h=6 m=20
